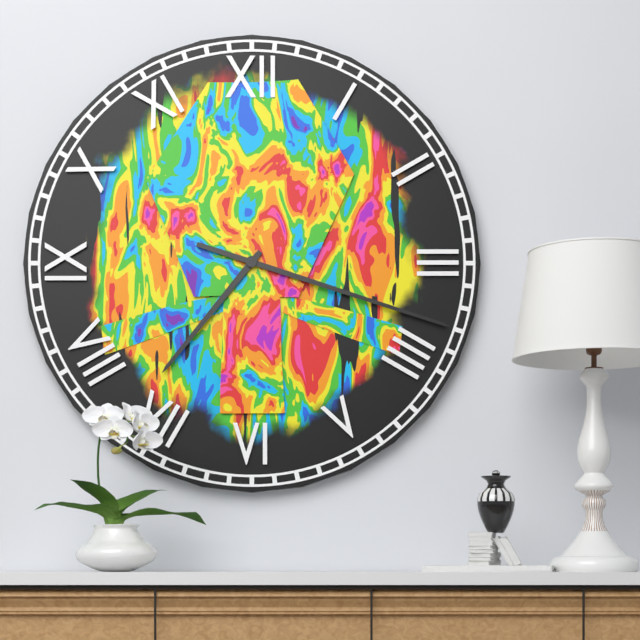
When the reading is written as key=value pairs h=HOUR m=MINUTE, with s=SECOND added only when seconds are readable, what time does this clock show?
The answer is h=7 m=18
